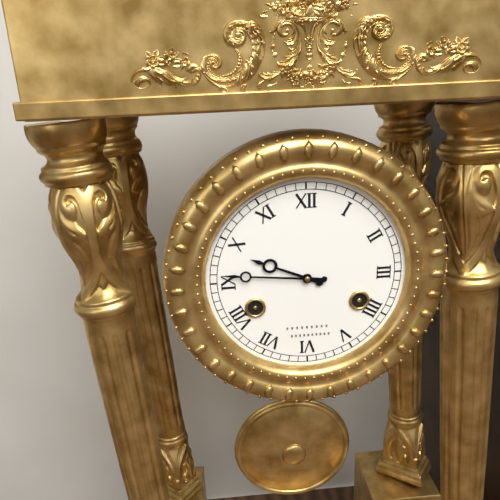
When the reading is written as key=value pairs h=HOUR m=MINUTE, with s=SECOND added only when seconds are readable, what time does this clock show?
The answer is h=9 m=46
